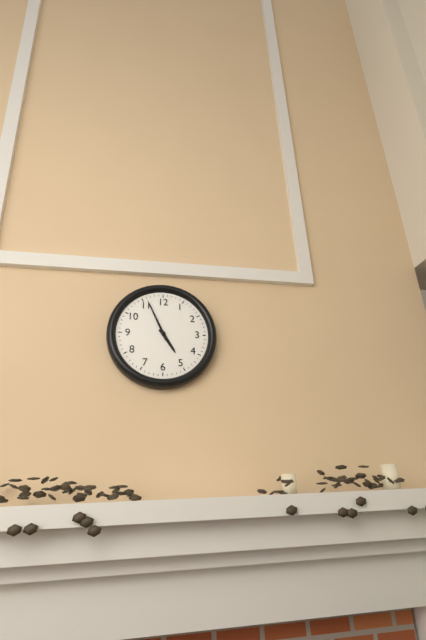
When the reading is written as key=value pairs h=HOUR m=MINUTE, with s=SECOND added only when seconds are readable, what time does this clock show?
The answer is h=4 m=56
